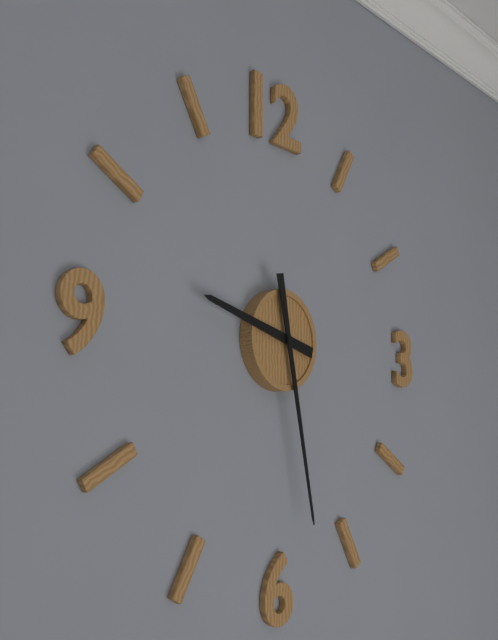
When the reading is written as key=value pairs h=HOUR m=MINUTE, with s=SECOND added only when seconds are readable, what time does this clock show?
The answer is h=9 m=28
